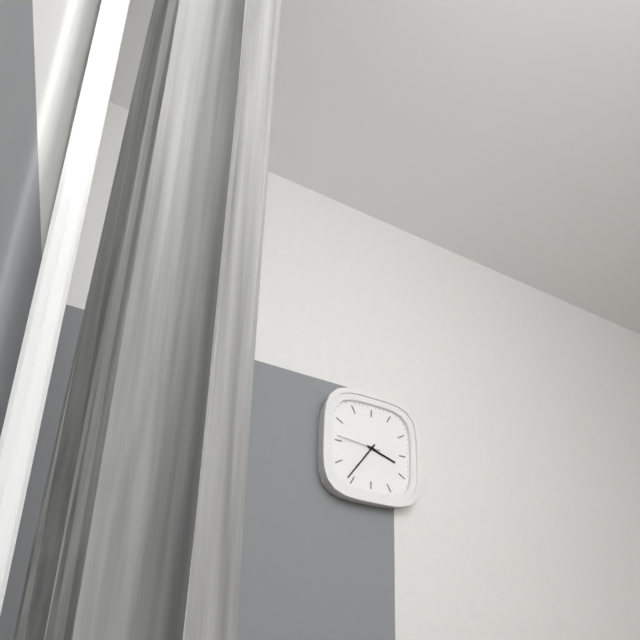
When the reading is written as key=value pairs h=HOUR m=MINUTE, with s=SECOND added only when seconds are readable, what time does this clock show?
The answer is h=3 m=36
